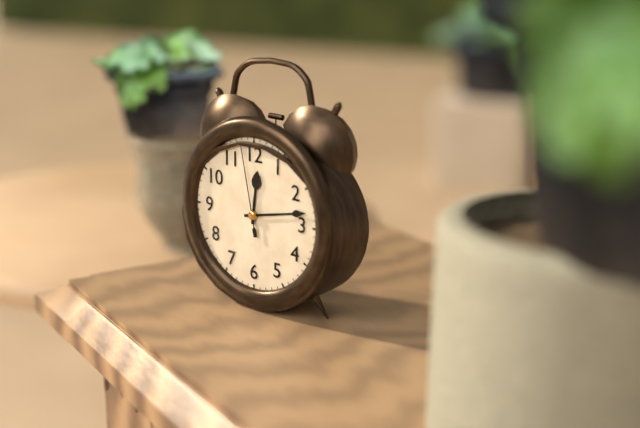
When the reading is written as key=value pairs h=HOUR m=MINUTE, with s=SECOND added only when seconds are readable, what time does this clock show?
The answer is h=12 m=13 s=58
